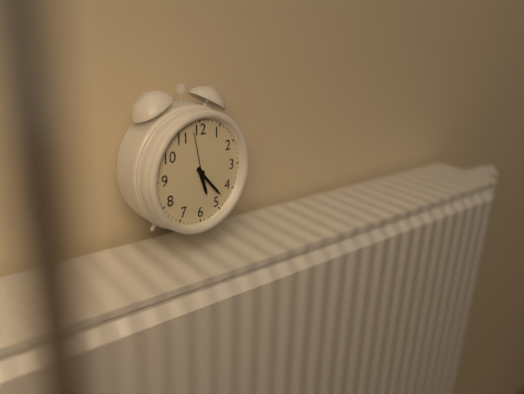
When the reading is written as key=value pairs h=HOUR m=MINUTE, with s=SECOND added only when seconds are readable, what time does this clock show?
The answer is h=5 m=23 s=58
